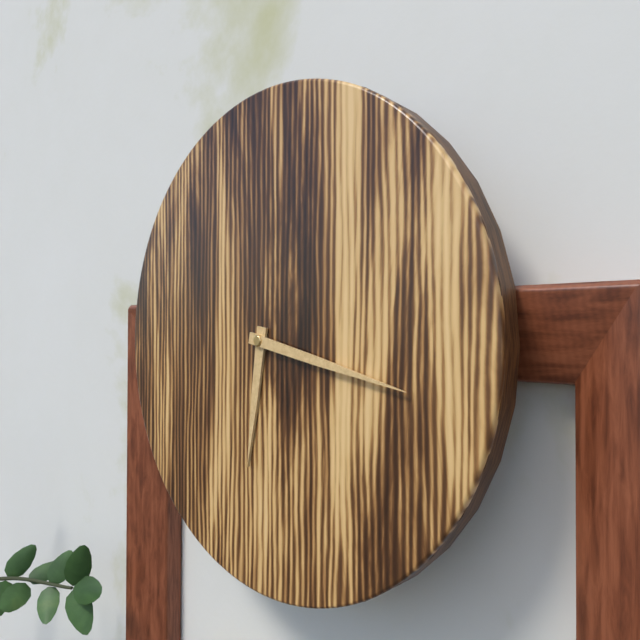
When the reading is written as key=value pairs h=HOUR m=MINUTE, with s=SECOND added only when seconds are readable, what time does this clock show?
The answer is h=6 m=17
